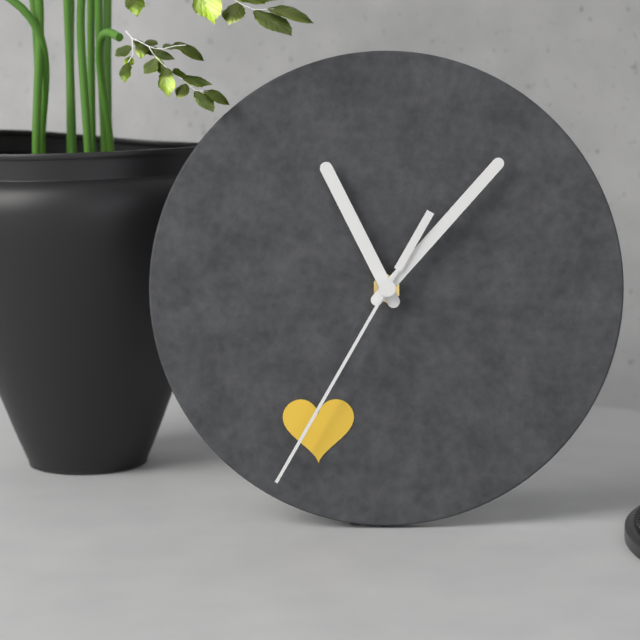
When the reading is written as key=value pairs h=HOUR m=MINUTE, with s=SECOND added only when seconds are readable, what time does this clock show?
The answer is h=11 m=7 s=35
